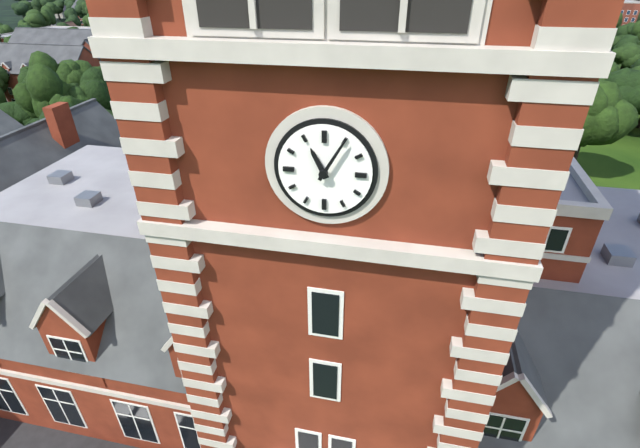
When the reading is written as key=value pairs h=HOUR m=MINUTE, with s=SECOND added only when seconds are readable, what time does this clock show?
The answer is h=11 m=5
